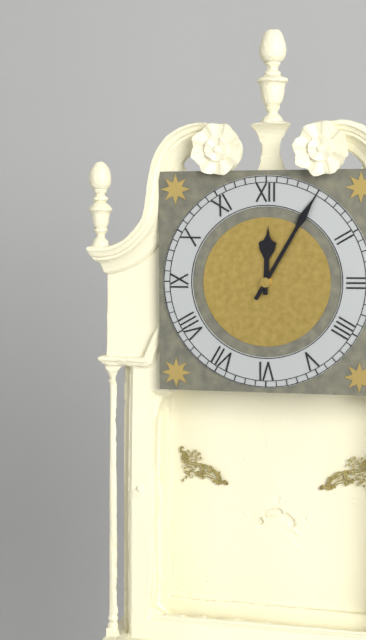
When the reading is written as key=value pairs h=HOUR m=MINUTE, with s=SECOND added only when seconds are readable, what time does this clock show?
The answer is h=12 m=5
